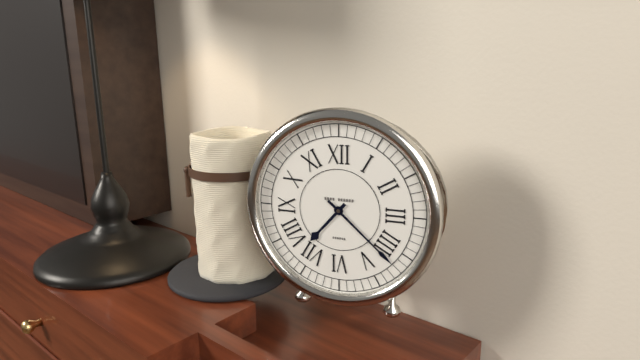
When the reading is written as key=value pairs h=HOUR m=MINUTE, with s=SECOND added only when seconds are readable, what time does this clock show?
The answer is h=7 m=22
